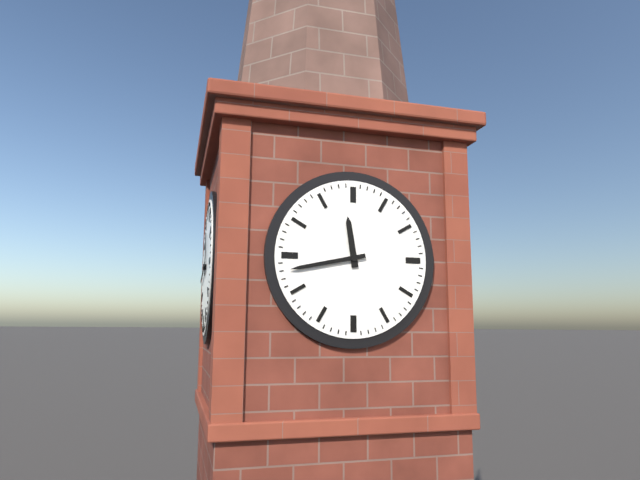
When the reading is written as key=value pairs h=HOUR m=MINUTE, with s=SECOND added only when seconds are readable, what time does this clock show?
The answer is h=11 m=43
